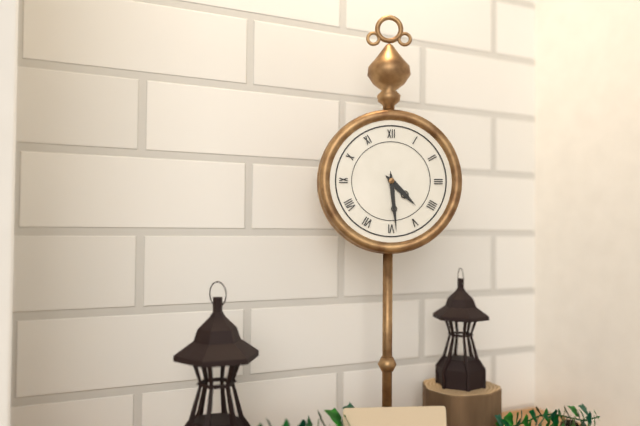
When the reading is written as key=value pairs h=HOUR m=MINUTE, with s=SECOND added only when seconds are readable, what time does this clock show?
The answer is h=4 m=29
